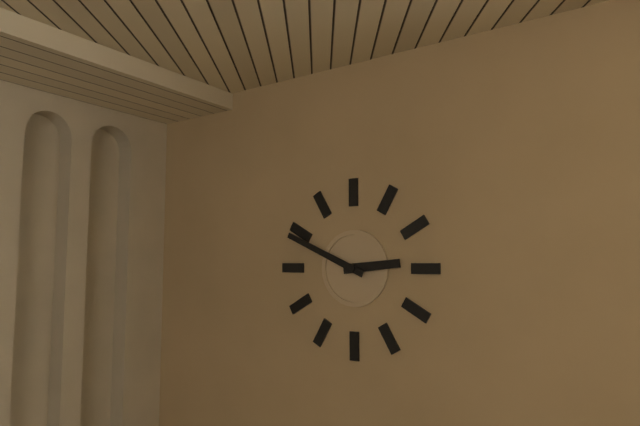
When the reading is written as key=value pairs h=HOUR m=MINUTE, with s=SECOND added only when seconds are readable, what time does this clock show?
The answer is h=2 m=49
